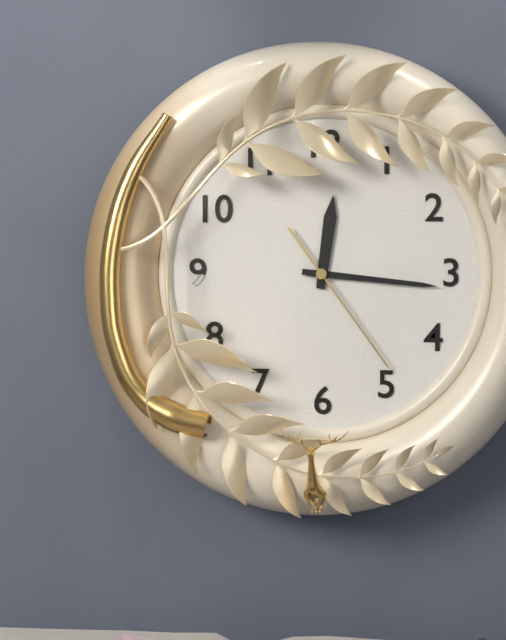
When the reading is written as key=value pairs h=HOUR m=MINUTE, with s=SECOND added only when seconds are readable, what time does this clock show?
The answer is h=12 m=16 s=24
